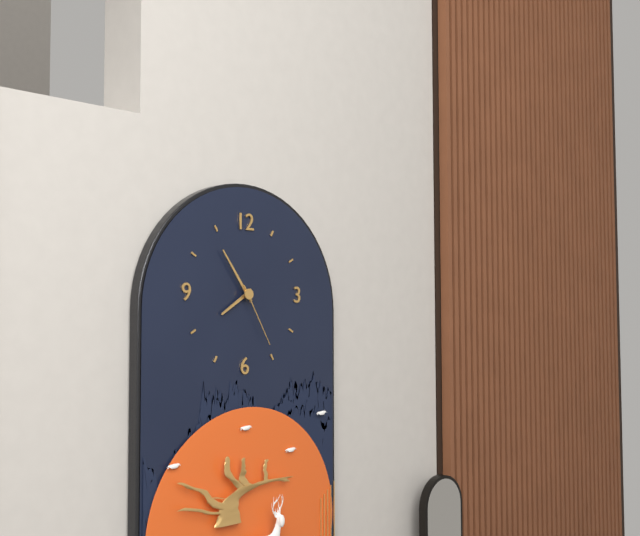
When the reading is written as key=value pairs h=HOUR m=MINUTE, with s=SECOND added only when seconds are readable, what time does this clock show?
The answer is h=7 m=54 s=25
